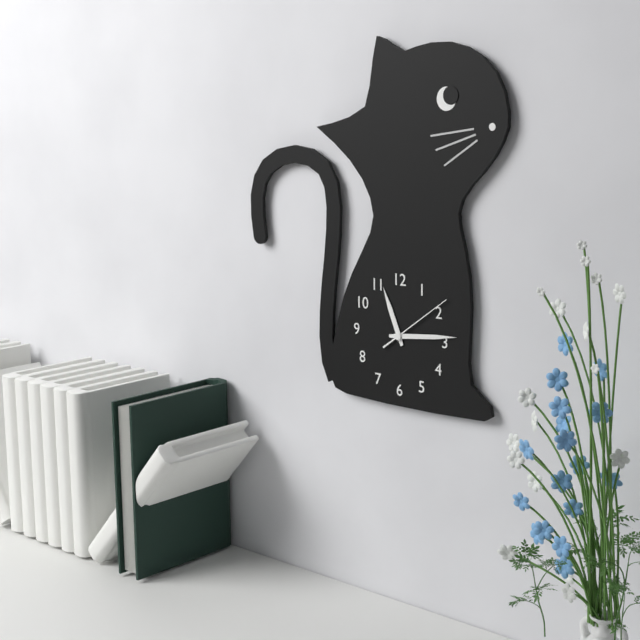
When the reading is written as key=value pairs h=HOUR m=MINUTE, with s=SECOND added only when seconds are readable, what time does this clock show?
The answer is h=11 m=14 s=9
